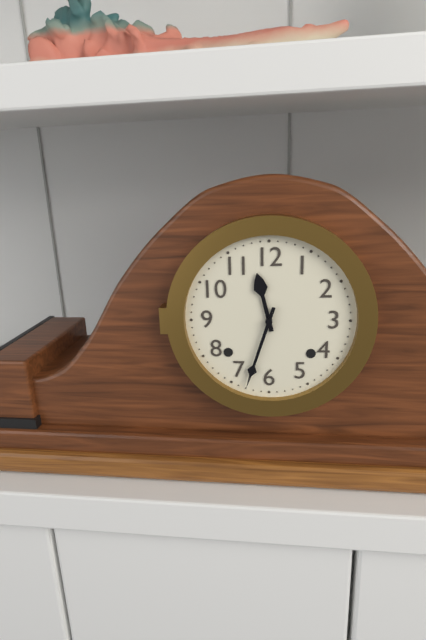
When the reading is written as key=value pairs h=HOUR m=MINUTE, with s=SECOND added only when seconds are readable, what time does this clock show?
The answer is h=11 m=33
